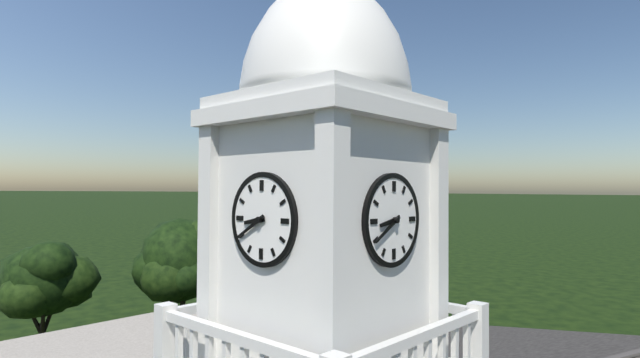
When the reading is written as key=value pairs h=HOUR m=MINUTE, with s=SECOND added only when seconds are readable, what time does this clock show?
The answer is h=8 m=40
